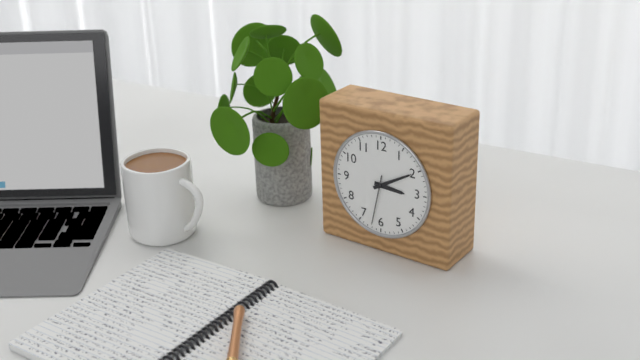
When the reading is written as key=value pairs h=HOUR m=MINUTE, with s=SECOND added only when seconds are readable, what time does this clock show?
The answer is h=3 m=10 s=32
